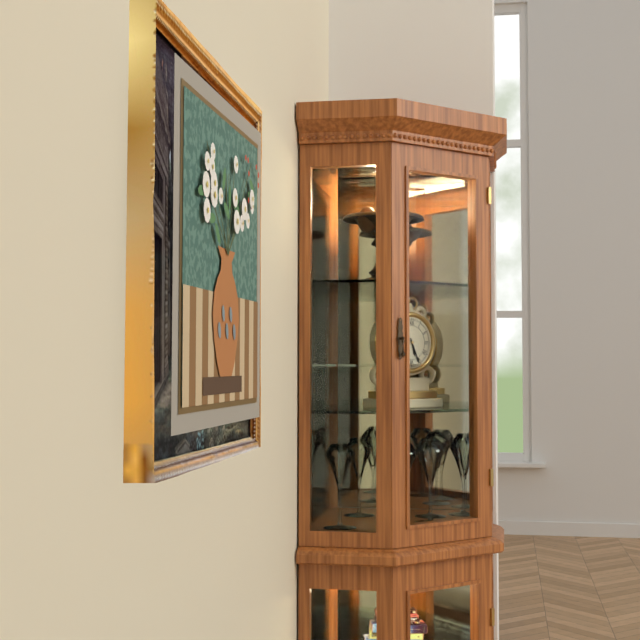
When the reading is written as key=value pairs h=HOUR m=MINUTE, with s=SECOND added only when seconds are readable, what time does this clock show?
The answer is h=5 m=26
